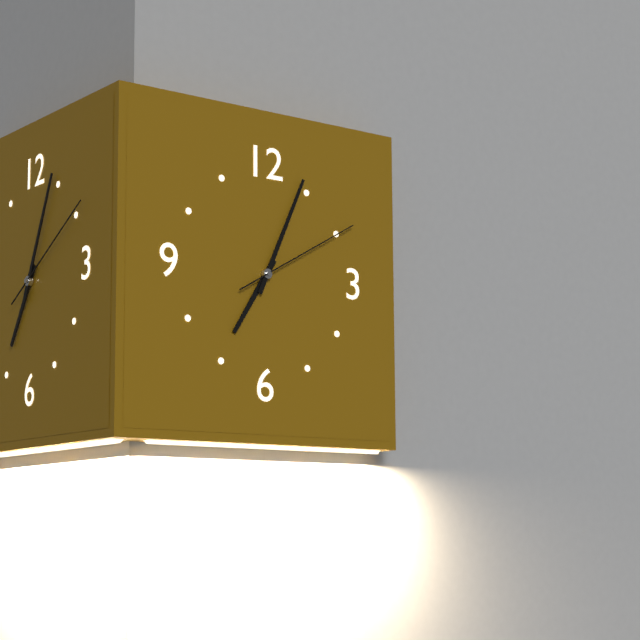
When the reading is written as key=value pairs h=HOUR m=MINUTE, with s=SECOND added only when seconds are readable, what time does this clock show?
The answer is h=7 m=4 s=10
